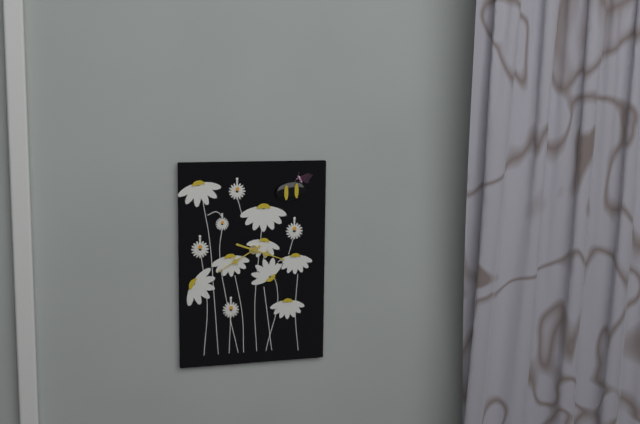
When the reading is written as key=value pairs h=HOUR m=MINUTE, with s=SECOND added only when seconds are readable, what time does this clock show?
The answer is h=3 m=40
